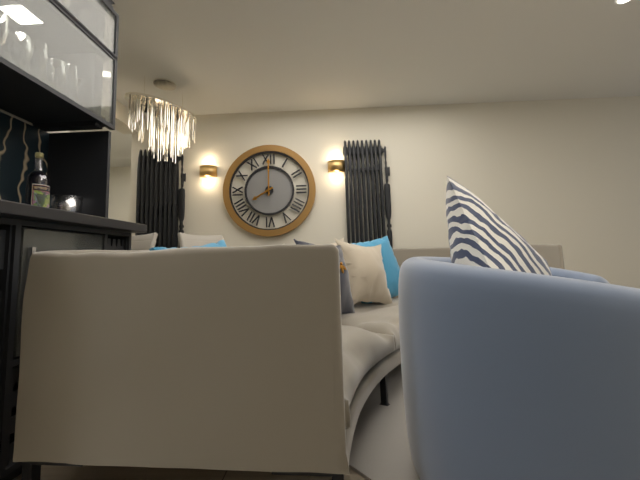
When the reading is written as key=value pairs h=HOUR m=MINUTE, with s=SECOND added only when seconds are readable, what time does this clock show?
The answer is h=8 m=0
